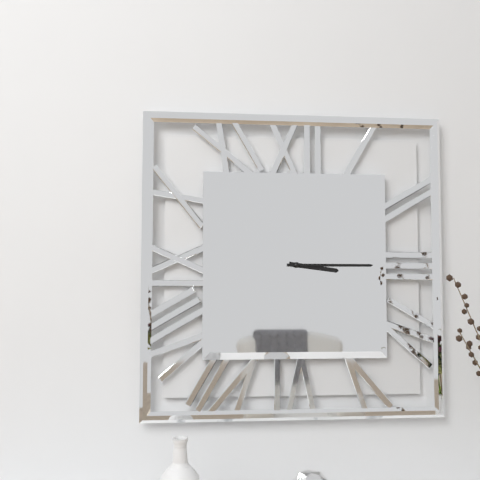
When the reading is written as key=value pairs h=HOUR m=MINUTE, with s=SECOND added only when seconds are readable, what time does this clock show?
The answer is h=3 m=15
